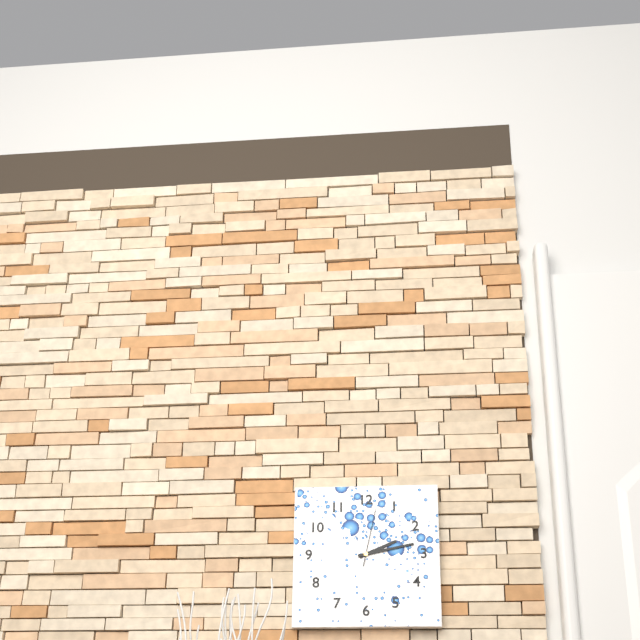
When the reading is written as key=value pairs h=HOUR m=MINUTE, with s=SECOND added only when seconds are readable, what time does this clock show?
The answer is h=2 m=13 s=2
